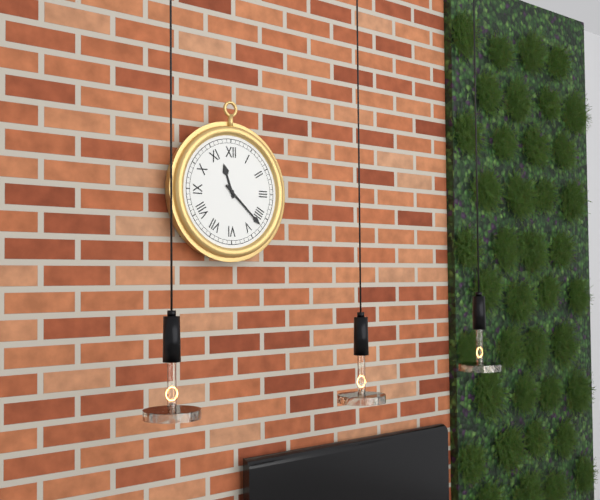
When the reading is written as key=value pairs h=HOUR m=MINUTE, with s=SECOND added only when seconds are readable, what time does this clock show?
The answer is h=11 m=22
